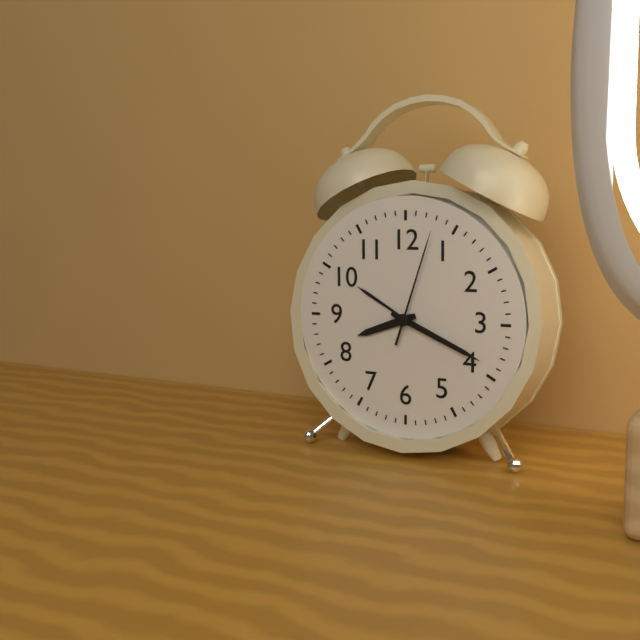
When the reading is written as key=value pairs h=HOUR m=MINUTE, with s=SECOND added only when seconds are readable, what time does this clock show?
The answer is h=8 m=19 s=3
